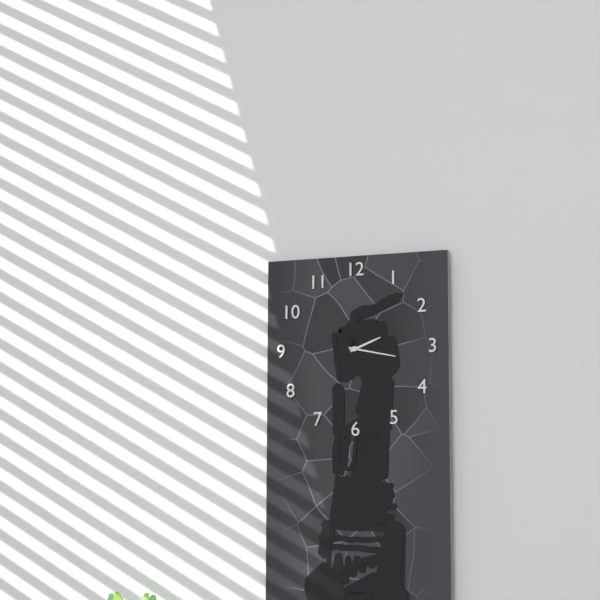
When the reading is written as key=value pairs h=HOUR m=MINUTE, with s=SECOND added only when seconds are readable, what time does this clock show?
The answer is h=2 m=17
